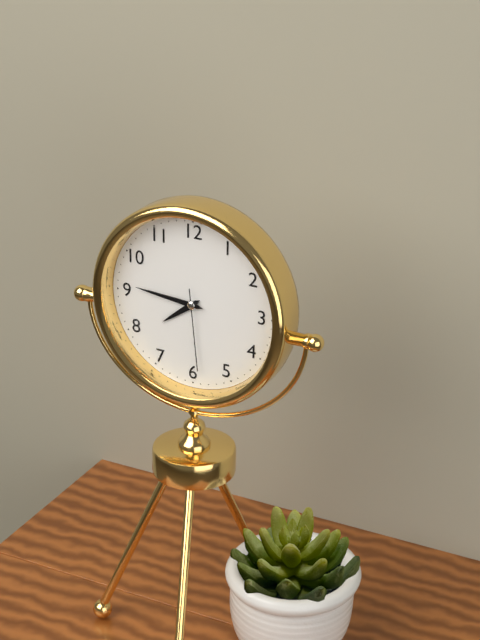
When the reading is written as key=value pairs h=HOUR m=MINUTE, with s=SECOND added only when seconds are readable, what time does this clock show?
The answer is h=7 m=46 s=29
